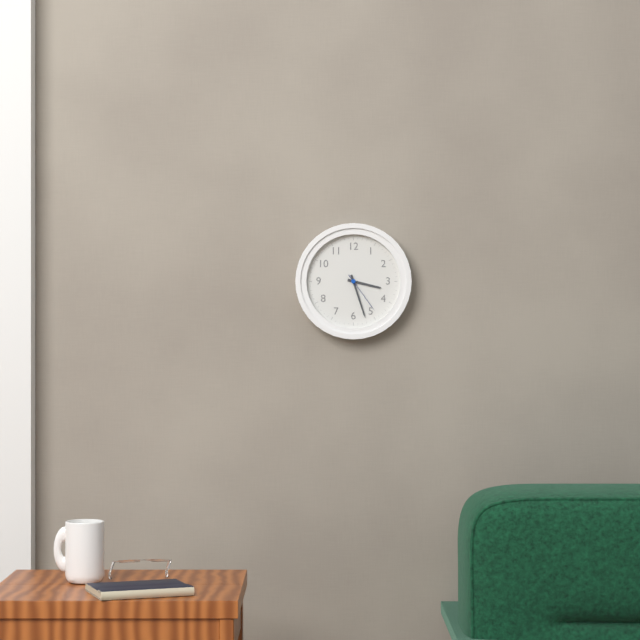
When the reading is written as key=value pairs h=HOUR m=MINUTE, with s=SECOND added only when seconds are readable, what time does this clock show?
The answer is h=3 m=27
